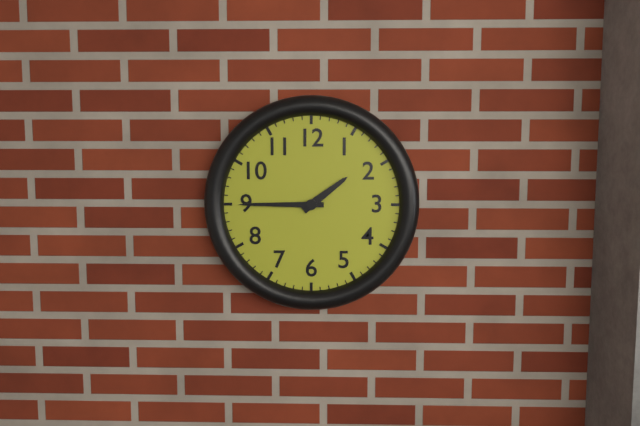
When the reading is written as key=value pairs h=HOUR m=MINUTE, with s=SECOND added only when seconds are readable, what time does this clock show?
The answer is h=1 m=45
